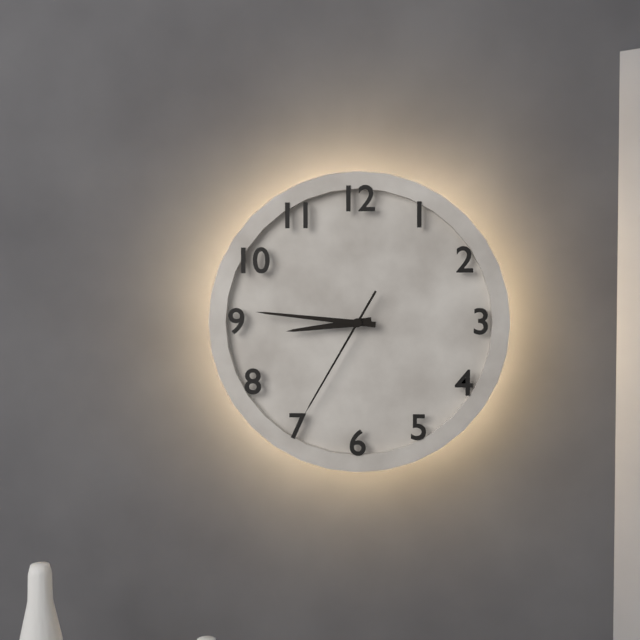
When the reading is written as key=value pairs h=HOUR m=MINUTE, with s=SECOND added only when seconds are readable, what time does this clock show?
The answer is h=8 m=46 s=35
